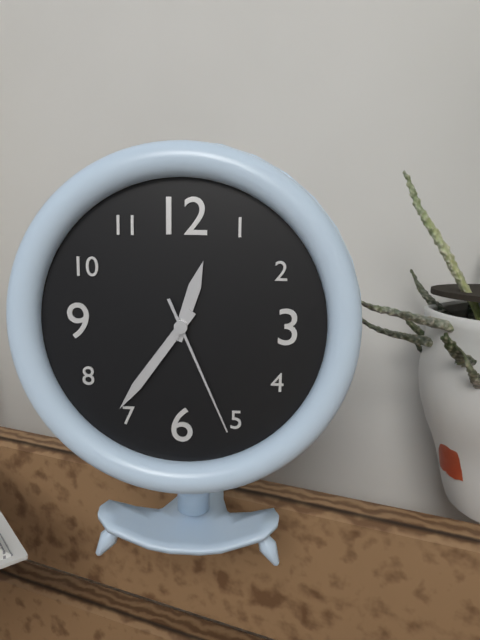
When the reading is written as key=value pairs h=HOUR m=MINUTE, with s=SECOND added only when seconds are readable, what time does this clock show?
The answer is h=12 m=36 s=26
